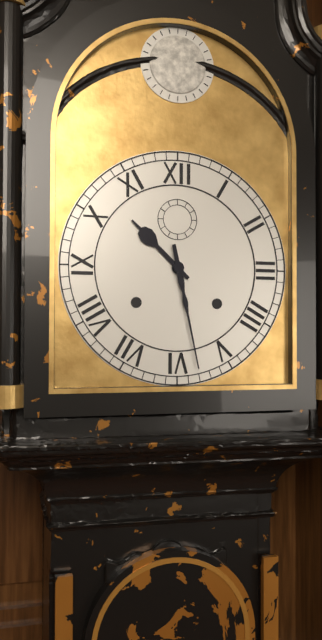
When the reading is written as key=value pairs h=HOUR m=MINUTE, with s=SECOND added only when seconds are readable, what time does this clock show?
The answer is h=10 m=28
